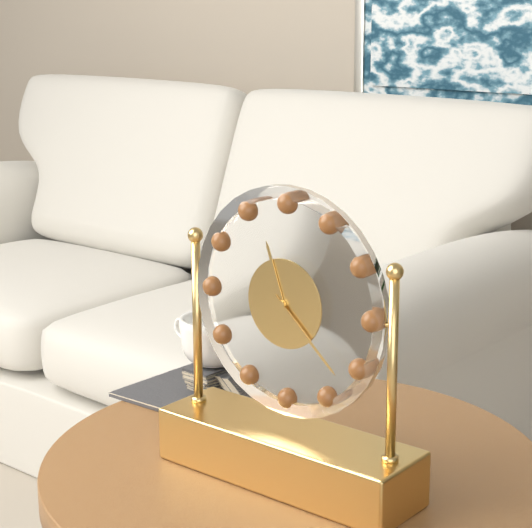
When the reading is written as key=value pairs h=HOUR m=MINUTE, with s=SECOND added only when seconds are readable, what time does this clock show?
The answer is h=11 m=22
